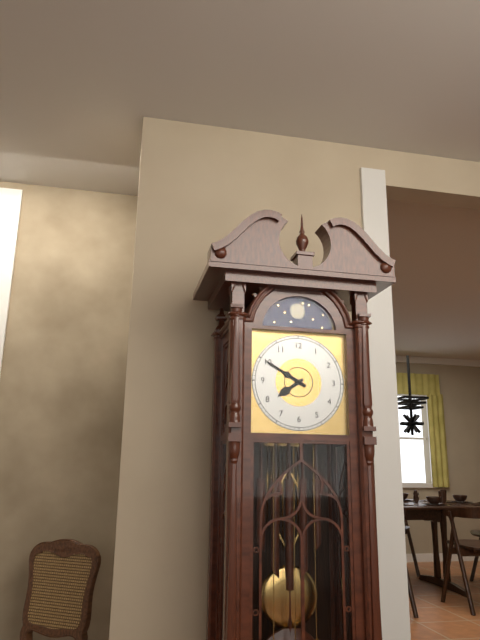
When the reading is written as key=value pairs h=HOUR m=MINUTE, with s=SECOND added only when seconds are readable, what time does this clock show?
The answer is h=7 m=50
